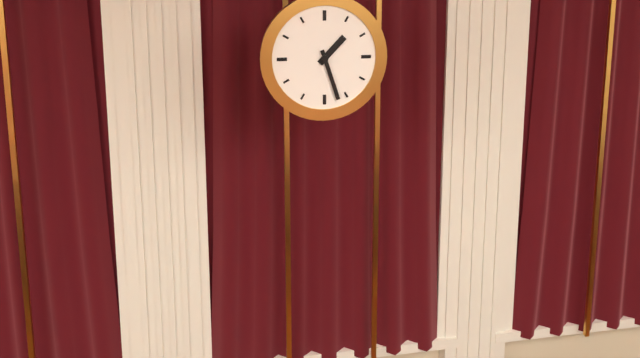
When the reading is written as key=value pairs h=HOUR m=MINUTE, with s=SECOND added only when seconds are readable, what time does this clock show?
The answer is h=1 m=27
